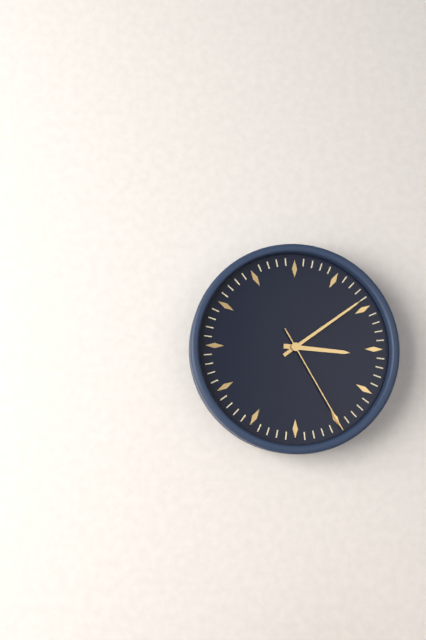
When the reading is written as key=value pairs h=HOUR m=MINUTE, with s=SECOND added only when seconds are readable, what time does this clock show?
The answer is h=3 m=9 s=25
